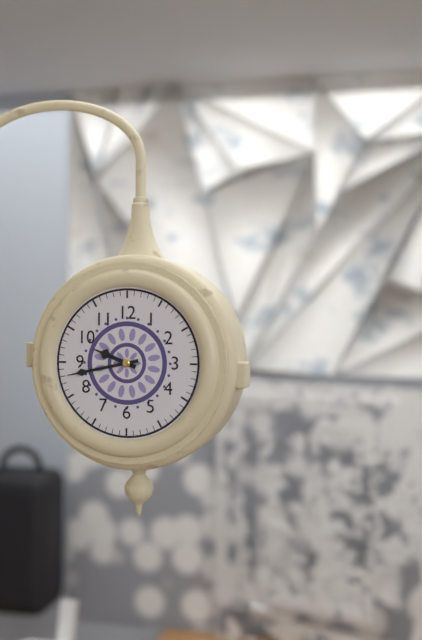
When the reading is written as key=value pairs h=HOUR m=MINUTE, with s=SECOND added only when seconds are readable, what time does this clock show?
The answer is h=9 m=43
